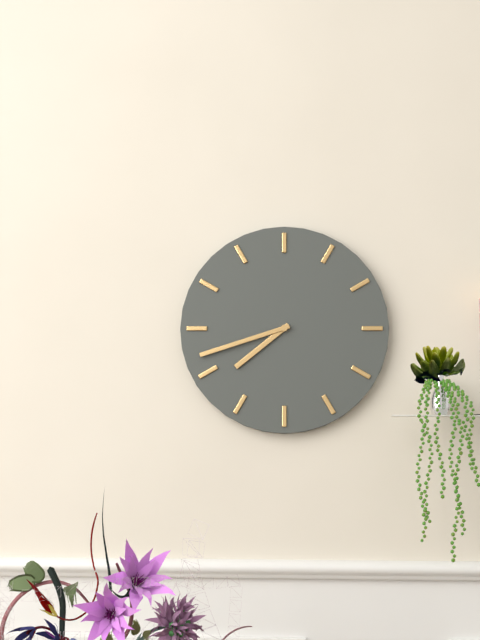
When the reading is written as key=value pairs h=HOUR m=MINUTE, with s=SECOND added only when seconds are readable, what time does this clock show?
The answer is h=7 m=42
